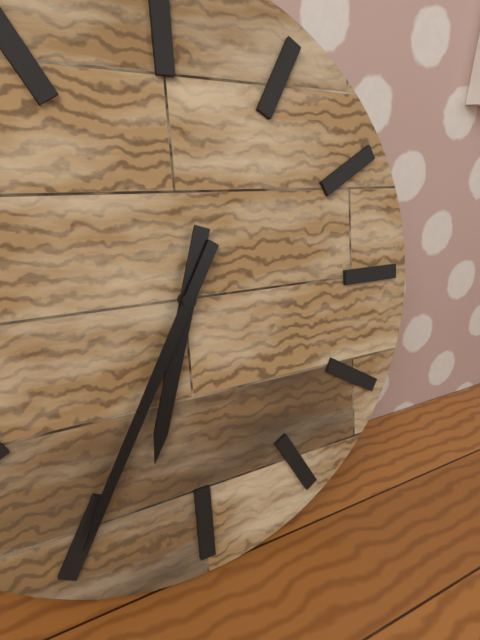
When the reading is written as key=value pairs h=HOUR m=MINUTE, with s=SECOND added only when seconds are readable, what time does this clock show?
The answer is h=6 m=35
